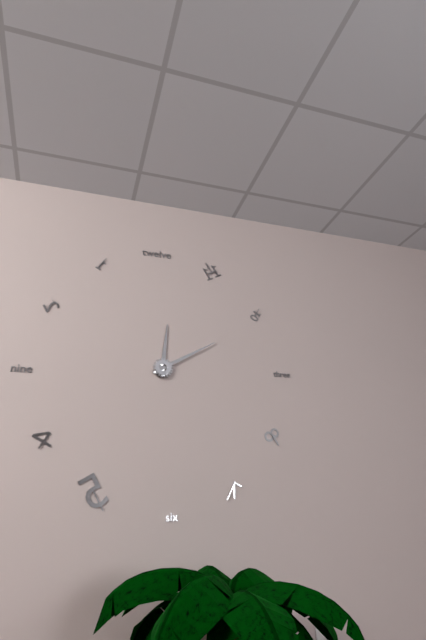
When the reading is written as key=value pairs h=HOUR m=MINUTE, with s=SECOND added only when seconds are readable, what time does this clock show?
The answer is h=12 m=10
